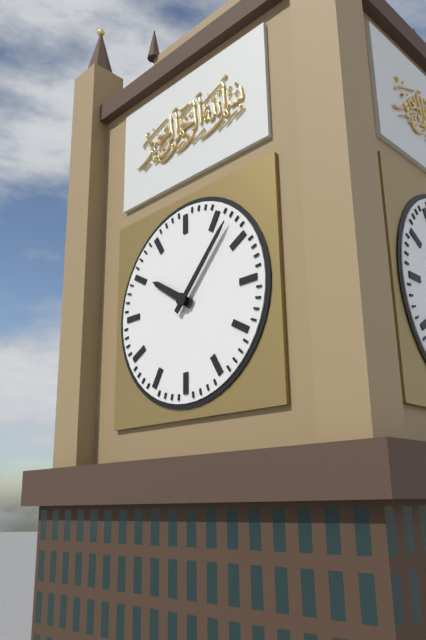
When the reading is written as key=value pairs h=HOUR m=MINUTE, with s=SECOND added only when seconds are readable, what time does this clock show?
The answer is h=10 m=7
